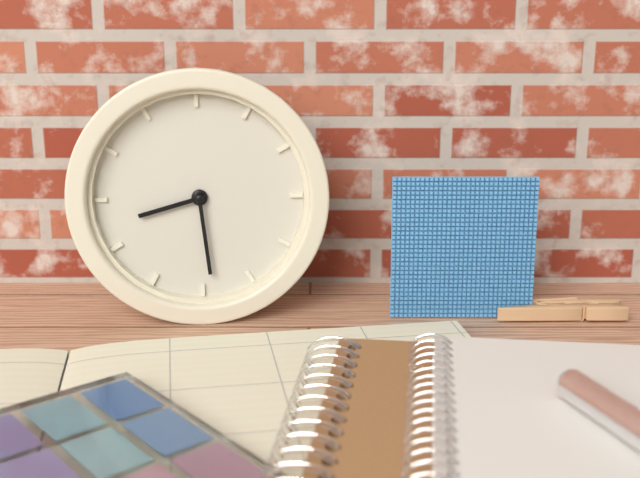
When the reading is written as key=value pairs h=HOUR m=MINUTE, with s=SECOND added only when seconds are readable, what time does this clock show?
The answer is h=8 m=29
